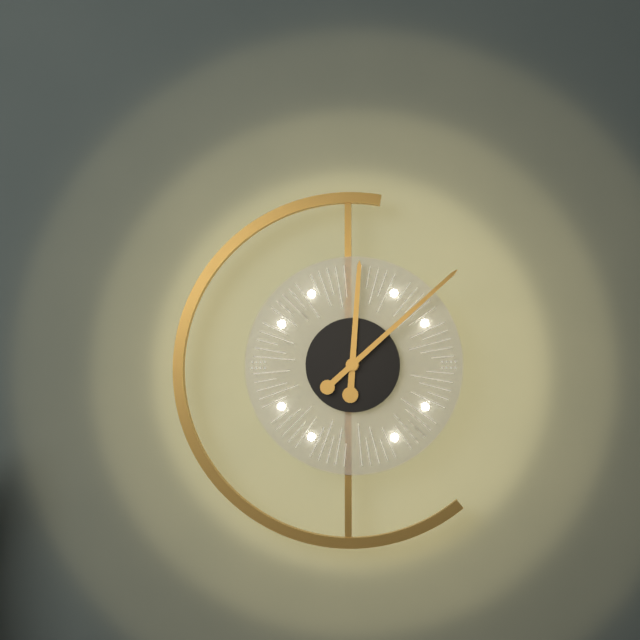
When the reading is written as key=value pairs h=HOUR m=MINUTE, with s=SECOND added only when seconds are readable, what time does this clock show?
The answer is h=12 m=8
